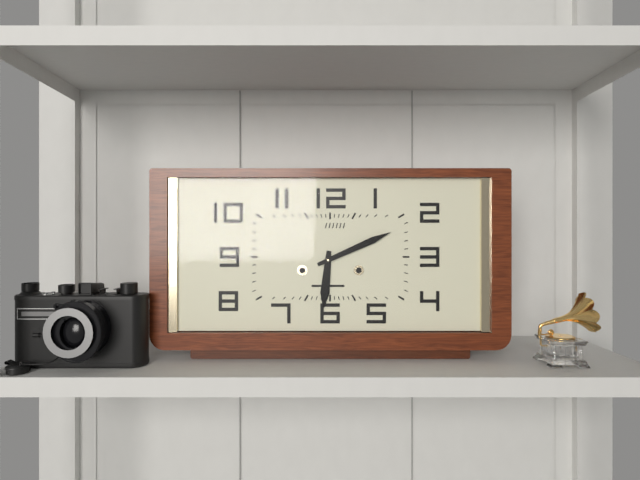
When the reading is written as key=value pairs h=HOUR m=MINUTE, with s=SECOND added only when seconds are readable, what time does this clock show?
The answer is h=6 m=11
